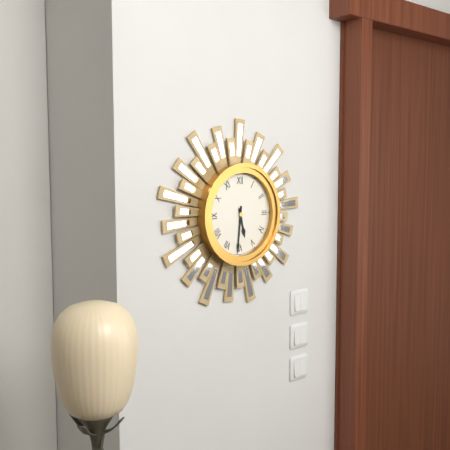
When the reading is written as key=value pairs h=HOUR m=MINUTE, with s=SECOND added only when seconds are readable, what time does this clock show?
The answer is h=5 m=31
